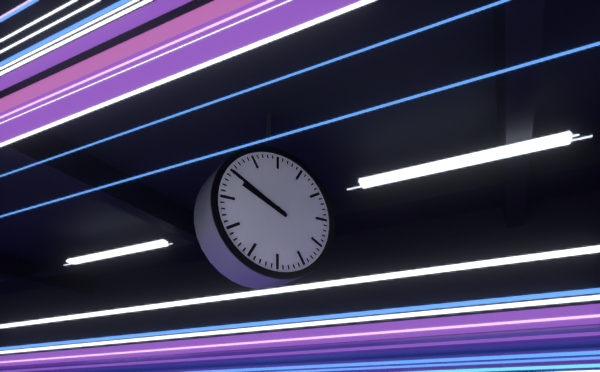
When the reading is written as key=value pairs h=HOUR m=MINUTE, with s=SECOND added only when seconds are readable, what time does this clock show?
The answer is h=9 m=50
